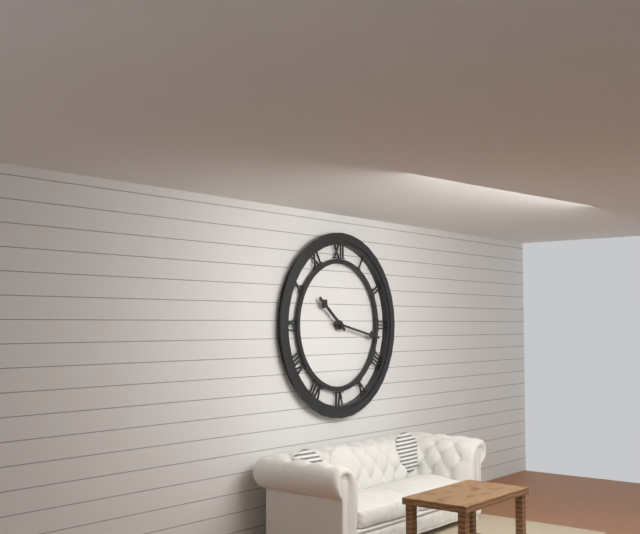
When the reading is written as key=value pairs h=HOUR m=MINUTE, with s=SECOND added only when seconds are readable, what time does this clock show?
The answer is h=10 m=17
